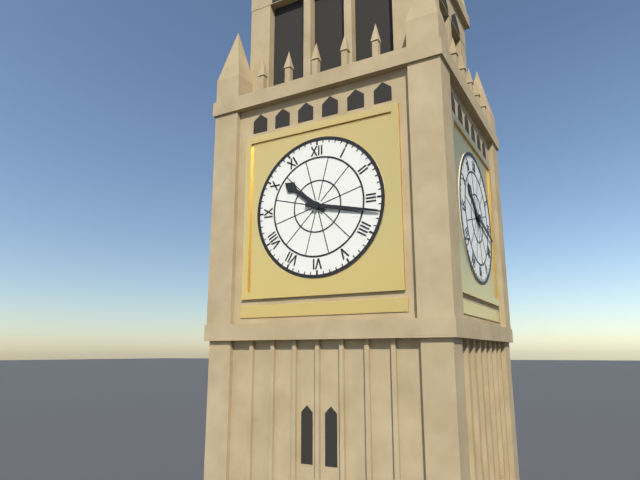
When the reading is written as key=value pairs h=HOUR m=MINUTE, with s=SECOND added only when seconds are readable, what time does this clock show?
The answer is h=10 m=17
